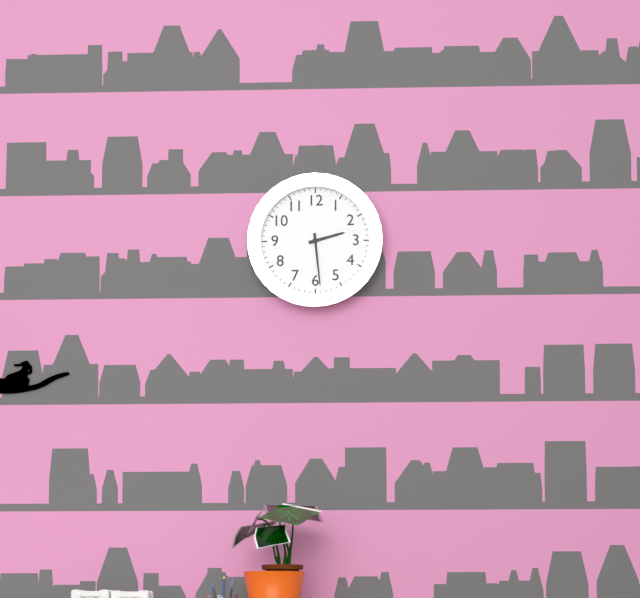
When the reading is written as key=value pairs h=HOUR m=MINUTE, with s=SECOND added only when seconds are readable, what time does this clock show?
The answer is h=2 m=29
